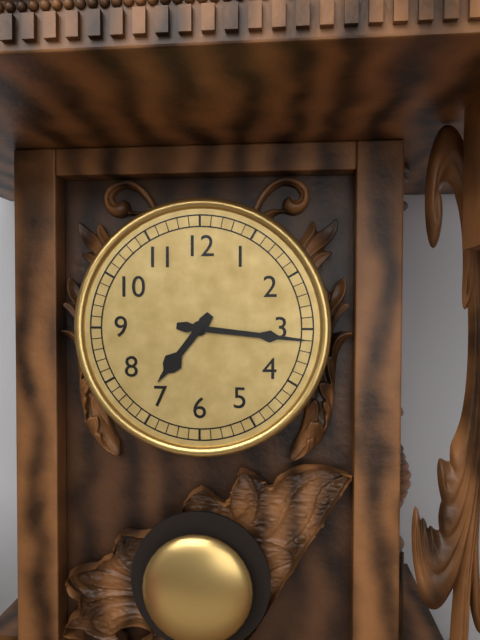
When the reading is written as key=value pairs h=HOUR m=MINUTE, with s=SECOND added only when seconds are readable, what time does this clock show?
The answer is h=7 m=16
